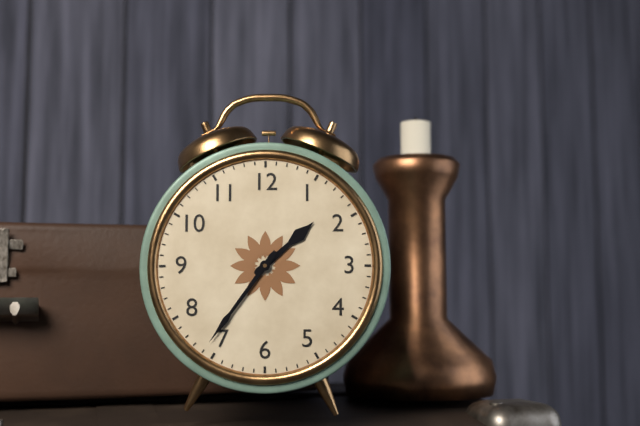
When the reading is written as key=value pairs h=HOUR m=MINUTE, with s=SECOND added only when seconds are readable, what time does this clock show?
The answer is h=1 m=36
